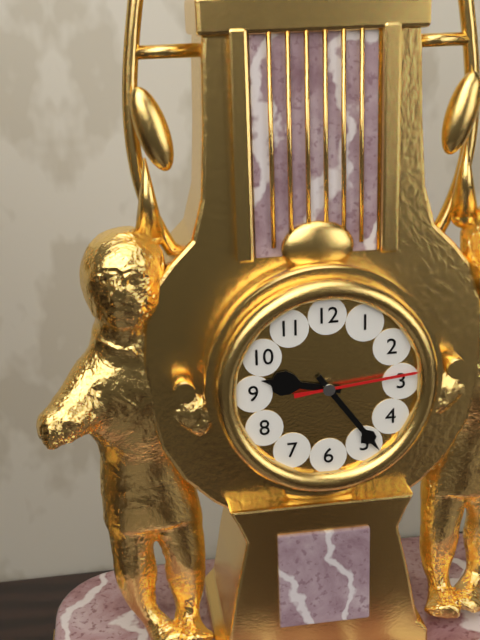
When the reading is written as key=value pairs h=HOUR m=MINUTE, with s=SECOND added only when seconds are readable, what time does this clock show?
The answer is h=9 m=24 s=14
